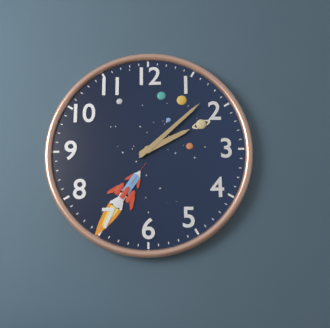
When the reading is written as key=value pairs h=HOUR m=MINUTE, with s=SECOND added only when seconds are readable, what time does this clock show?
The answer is h=2 m=8
